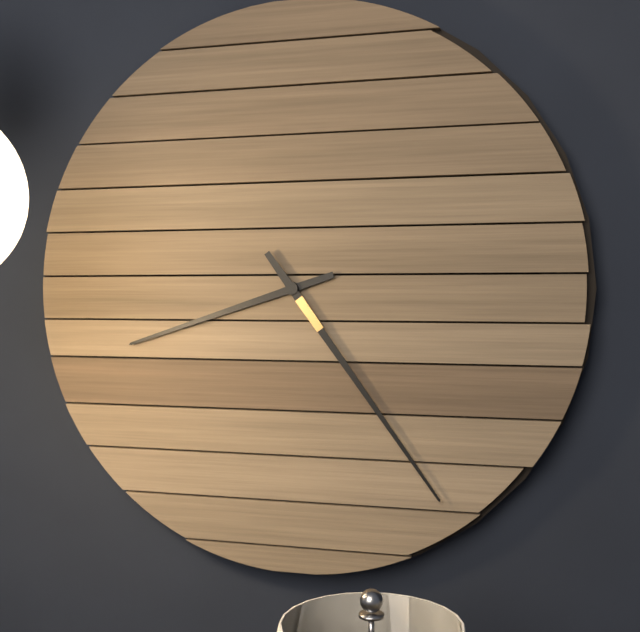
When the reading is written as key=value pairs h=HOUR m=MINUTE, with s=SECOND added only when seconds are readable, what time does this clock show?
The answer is h=8 m=24
